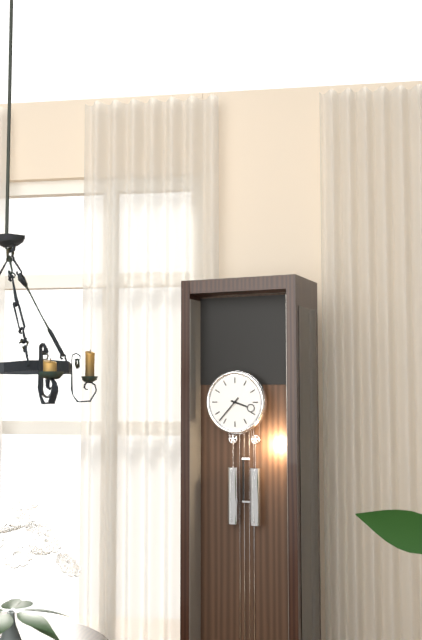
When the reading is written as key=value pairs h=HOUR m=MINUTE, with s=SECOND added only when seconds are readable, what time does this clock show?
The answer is h=3 m=37
